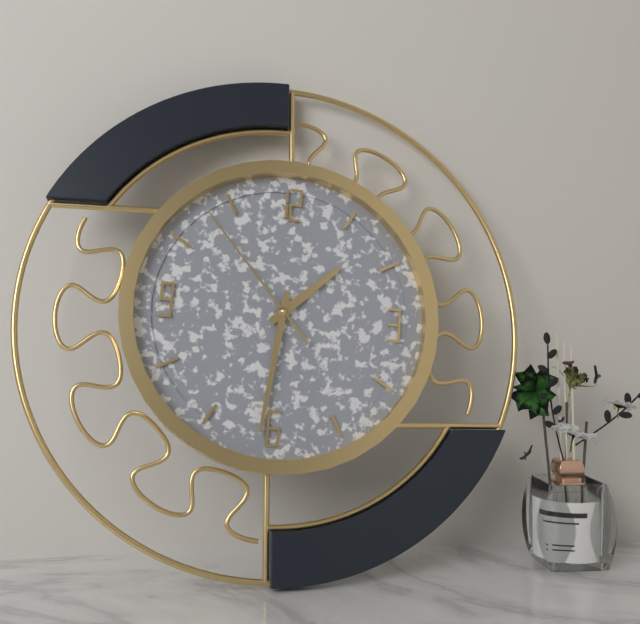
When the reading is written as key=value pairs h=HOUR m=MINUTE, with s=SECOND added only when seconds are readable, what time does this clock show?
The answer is h=1 m=31 s=53
